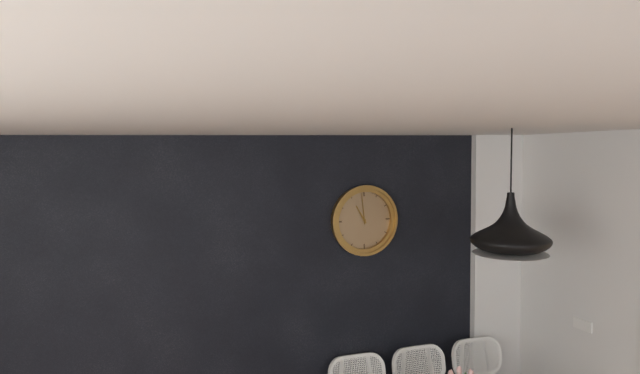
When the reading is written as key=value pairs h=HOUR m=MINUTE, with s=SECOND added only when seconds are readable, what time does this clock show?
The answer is h=10 m=59
